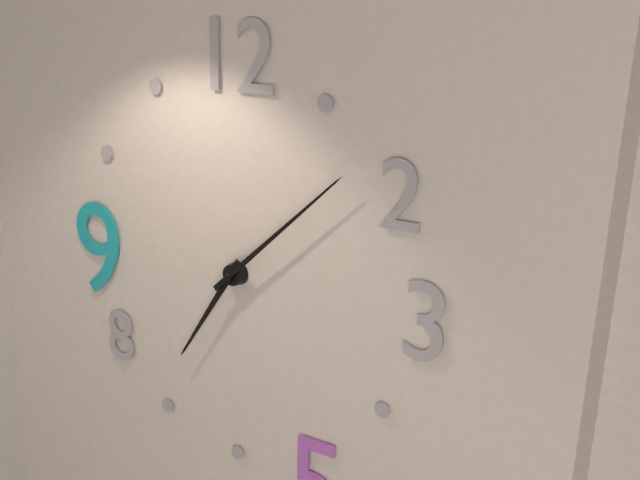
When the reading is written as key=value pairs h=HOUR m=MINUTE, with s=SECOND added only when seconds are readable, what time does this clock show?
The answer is h=7 m=8
